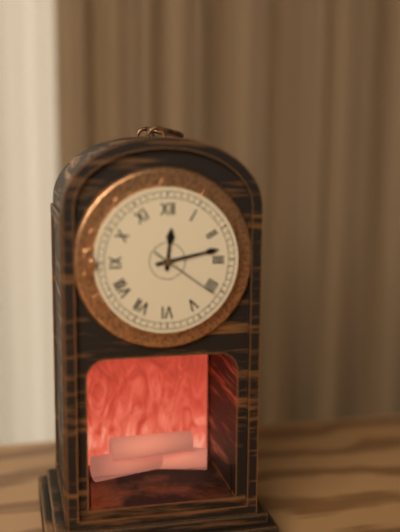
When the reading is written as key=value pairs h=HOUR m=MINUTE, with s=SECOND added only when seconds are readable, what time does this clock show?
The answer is h=12 m=13 s=21
